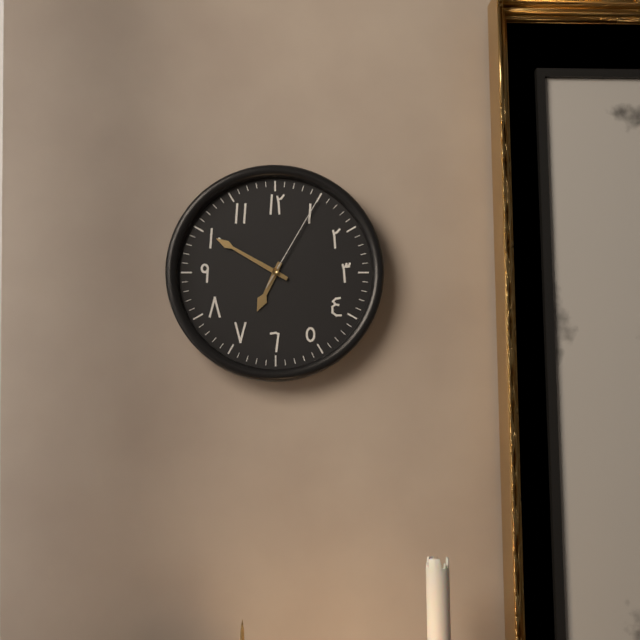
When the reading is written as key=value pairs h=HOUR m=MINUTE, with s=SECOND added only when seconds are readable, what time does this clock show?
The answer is h=6 m=50 s=5
